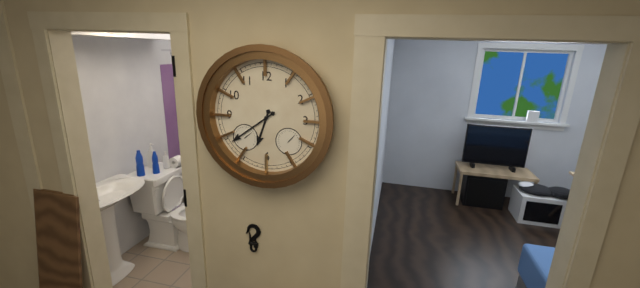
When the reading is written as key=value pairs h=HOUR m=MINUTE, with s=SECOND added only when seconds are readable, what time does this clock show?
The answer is h=6 m=39
